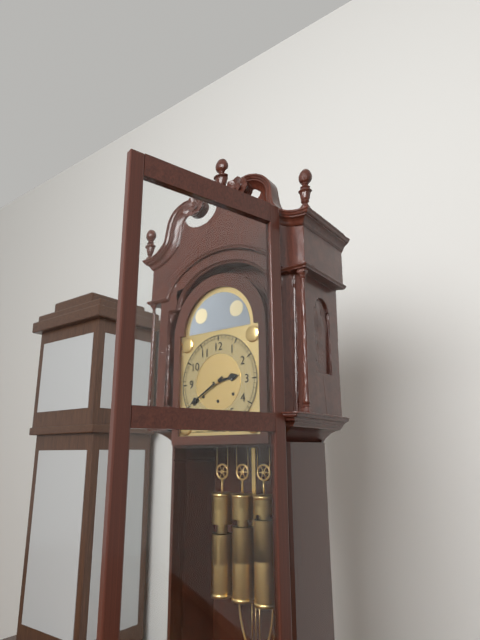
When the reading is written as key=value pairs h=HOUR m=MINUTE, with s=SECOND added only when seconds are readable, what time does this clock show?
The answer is h=2 m=40
